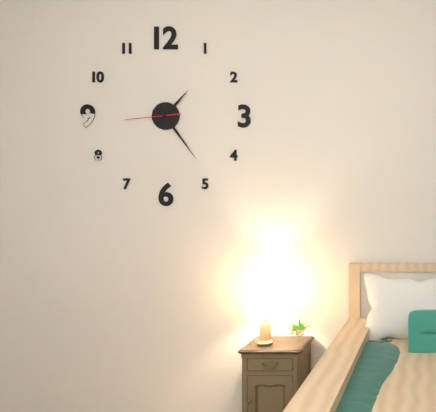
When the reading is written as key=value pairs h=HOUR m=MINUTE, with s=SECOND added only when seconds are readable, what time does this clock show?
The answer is h=1 m=24 s=44
